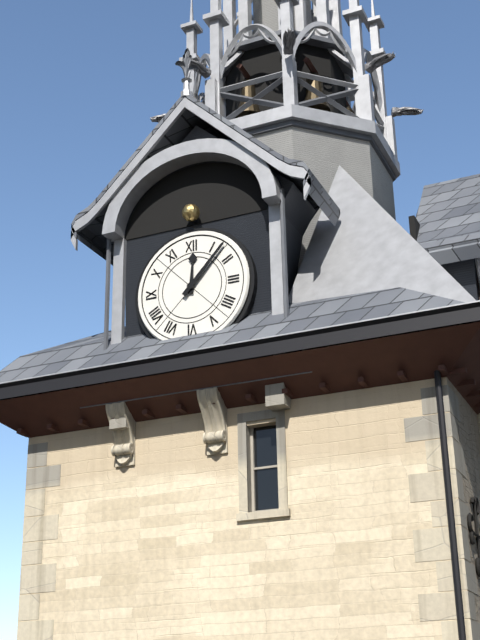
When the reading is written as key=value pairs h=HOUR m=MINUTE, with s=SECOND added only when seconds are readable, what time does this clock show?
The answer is h=12 m=7
